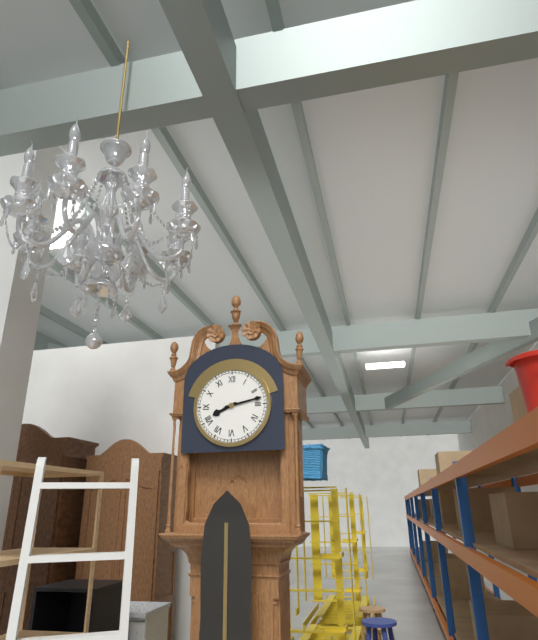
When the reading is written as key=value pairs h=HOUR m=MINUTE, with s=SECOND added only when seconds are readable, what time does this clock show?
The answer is h=8 m=13
